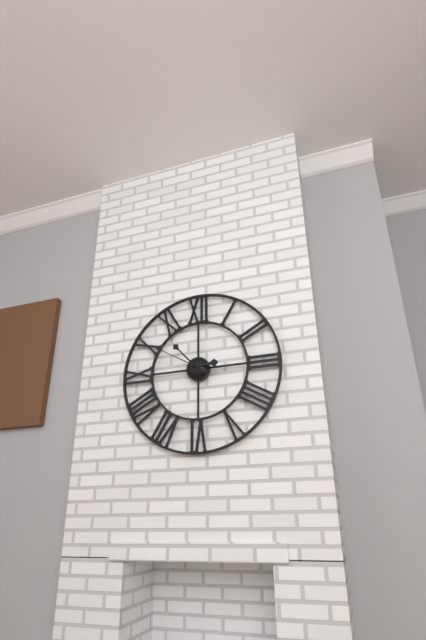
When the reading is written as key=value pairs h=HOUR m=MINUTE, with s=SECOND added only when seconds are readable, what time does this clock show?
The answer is h=2 m=53 s=50
